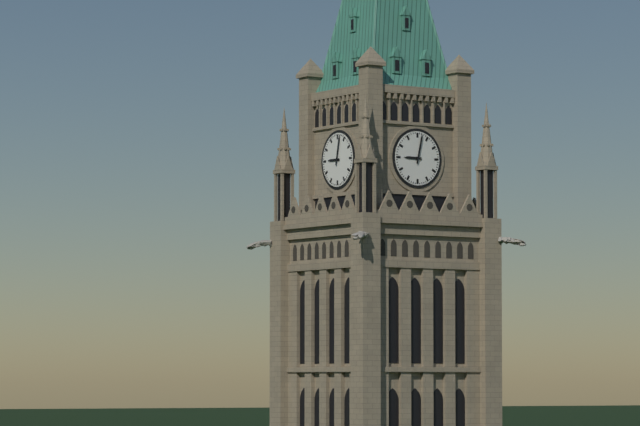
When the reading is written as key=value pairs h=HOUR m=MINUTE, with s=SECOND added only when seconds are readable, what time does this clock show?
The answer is h=9 m=2
